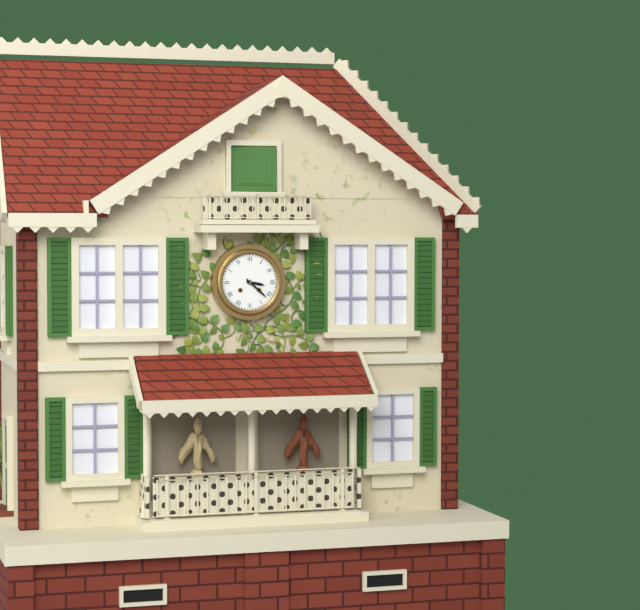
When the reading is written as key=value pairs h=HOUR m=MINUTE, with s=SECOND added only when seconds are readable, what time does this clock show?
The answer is h=3 m=22
